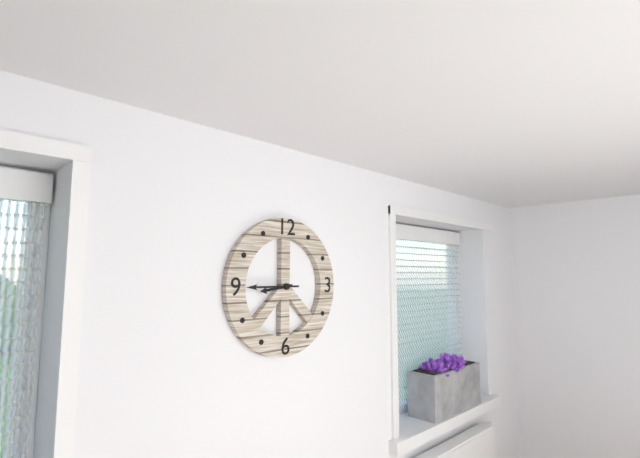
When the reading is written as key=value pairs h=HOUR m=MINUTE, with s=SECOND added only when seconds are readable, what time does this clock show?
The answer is h=8 m=45
